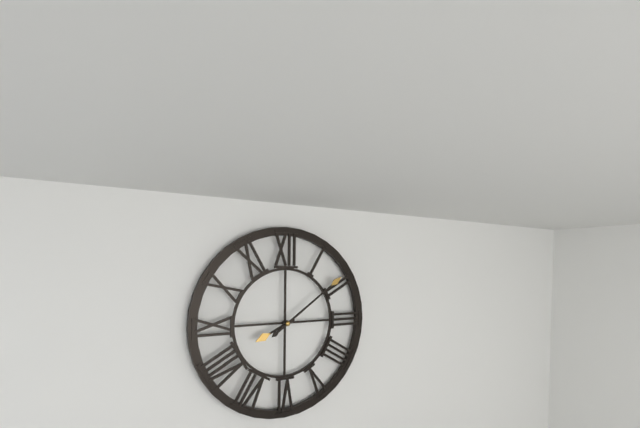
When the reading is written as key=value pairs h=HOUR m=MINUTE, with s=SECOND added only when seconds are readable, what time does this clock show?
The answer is h=8 m=9
